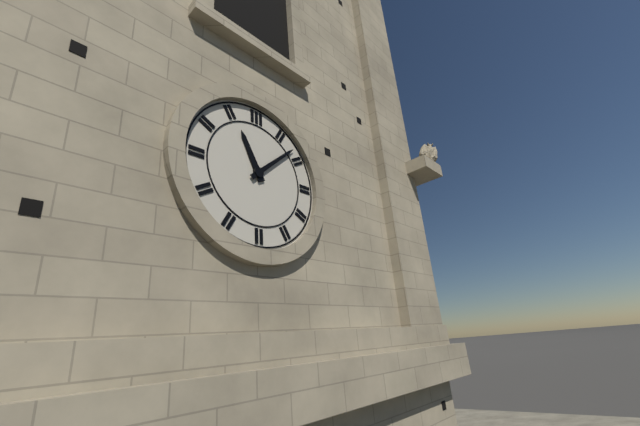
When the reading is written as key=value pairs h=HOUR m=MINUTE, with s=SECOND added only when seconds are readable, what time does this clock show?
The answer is h=11 m=8
